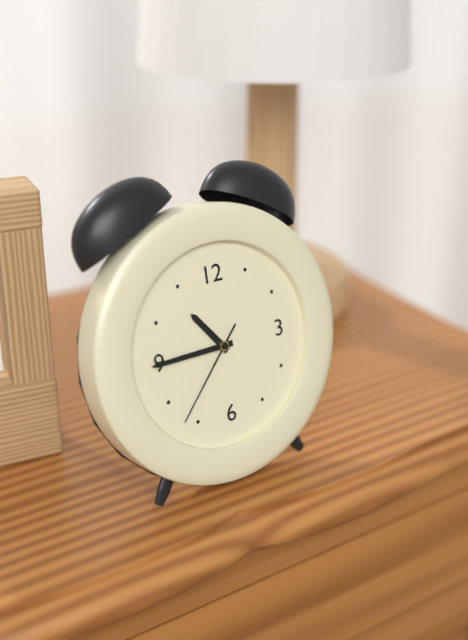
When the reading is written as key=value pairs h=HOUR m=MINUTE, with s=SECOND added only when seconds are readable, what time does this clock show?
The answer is h=10 m=45 s=37
